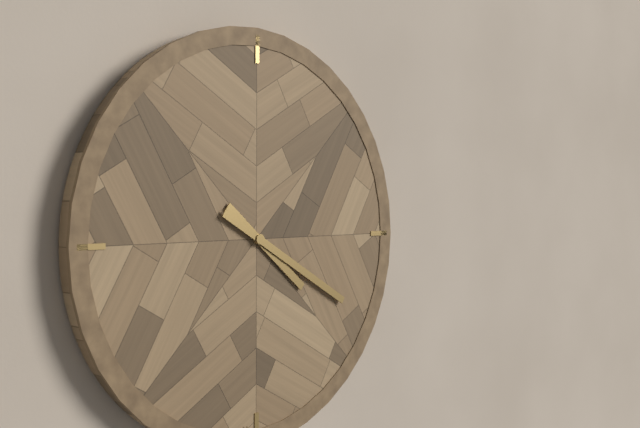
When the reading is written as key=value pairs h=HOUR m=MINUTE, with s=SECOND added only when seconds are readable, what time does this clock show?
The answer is h=4 m=20
